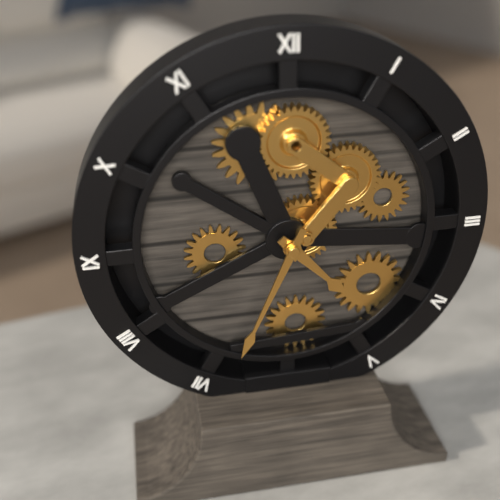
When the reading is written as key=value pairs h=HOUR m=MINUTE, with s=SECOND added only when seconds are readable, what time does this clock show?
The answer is h=4 m=34
